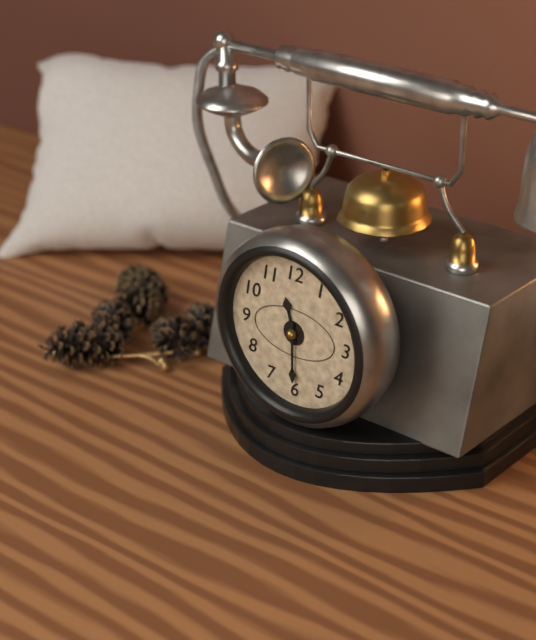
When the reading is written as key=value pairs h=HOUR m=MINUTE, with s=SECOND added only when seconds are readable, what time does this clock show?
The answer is h=11 m=30
